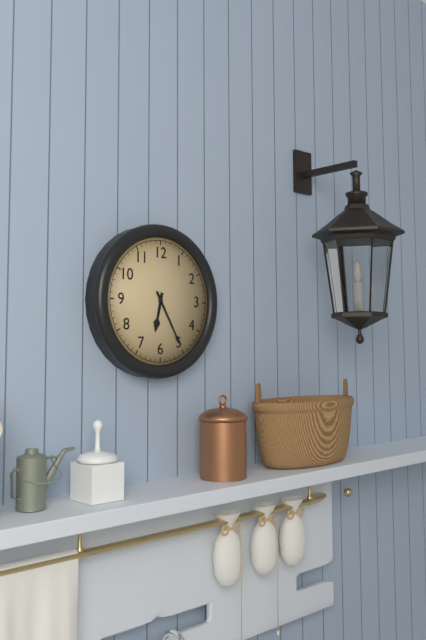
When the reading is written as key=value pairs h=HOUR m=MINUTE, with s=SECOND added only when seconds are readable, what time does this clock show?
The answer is h=6 m=25
